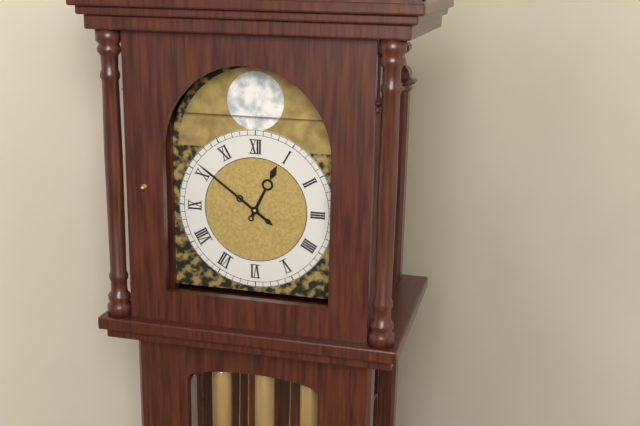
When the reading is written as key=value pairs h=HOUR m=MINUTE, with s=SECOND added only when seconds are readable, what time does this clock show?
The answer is h=12 m=51
